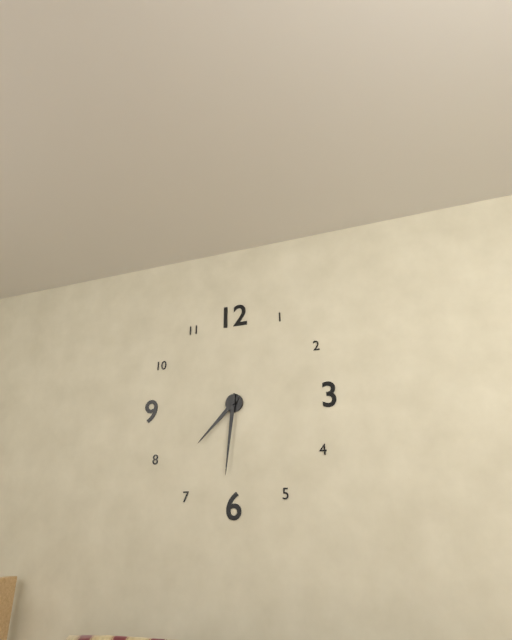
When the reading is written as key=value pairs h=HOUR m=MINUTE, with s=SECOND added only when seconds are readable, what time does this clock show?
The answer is h=7 m=31
